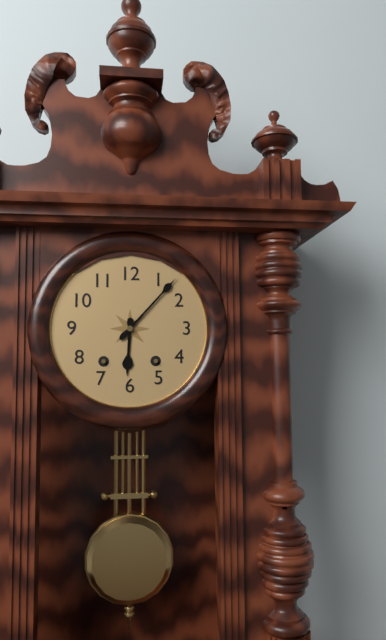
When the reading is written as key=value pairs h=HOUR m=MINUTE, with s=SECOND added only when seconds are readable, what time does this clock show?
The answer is h=6 m=7
